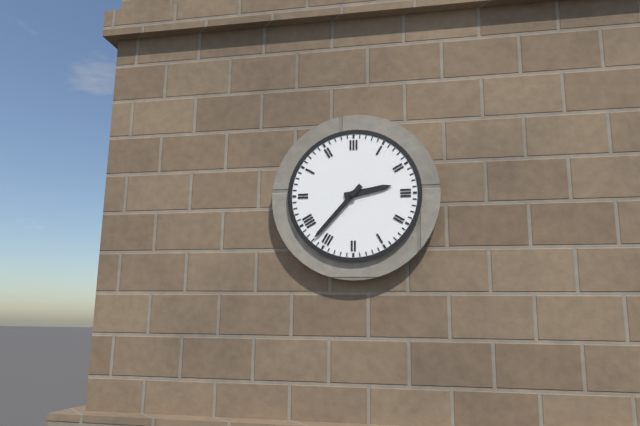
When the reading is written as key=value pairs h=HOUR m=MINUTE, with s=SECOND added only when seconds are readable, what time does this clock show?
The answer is h=2 m=37
